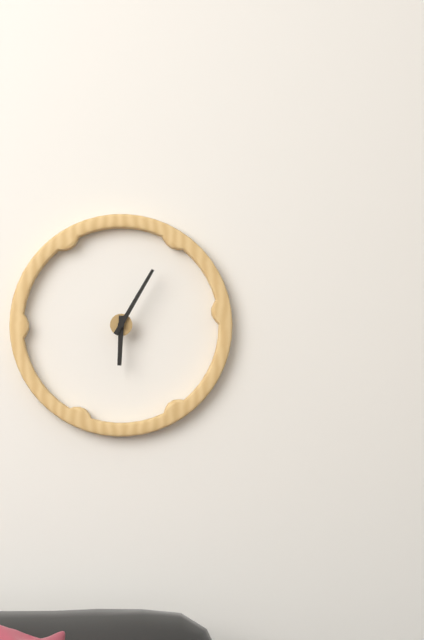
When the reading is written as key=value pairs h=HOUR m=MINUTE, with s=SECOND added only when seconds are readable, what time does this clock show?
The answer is h=6 m=5
